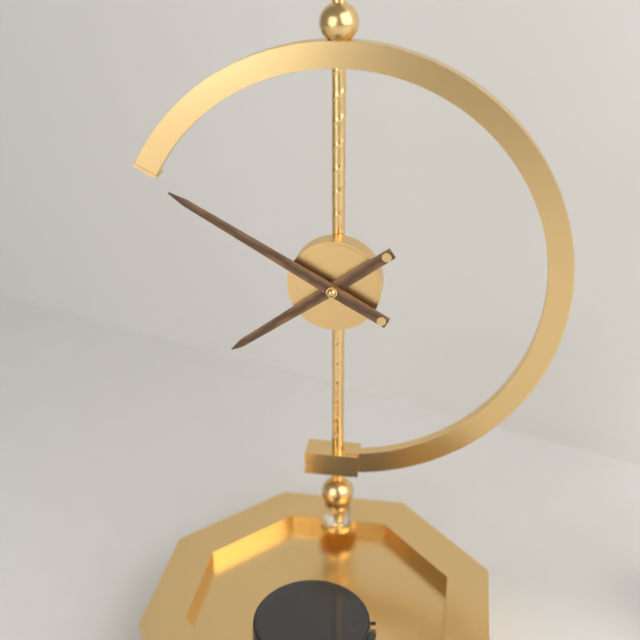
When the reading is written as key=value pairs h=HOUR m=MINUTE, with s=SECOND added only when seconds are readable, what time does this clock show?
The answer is h=7 m=50
